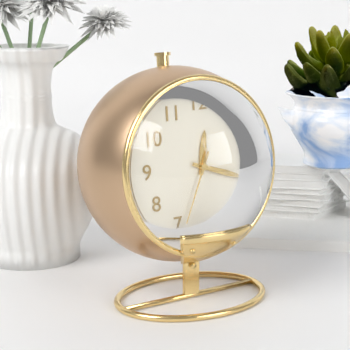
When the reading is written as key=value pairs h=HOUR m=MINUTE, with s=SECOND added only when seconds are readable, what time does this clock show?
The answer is h=12 m=18 s=34
